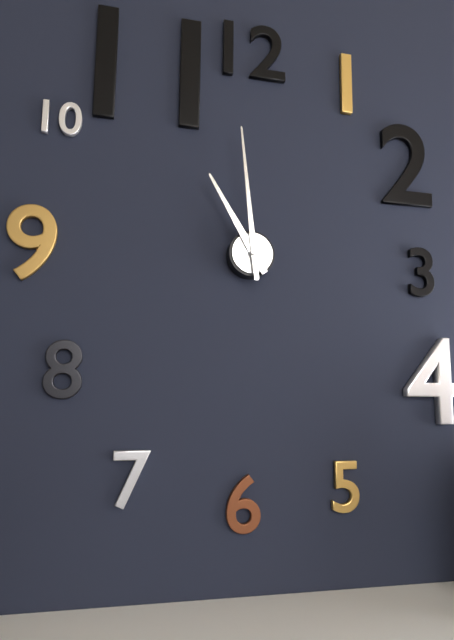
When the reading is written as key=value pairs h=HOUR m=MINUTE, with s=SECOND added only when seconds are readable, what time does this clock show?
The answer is h=10 m=59
